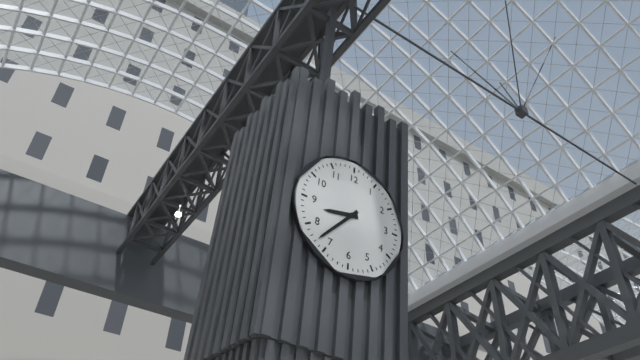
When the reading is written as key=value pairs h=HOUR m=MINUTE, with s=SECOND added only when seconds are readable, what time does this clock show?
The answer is h=8 m=37
